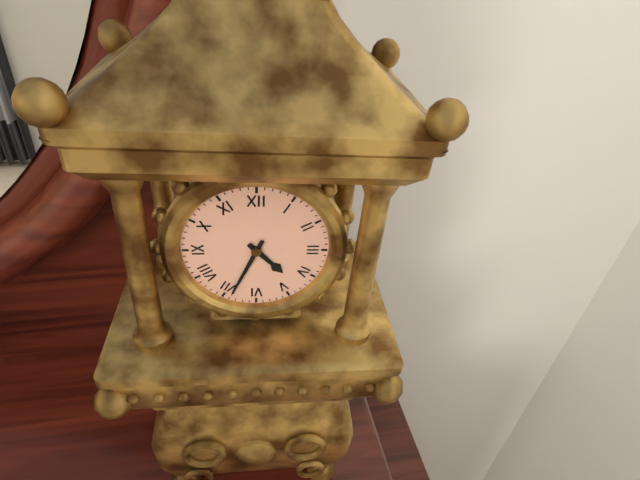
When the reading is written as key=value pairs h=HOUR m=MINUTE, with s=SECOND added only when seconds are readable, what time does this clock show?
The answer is h=4 m=34
